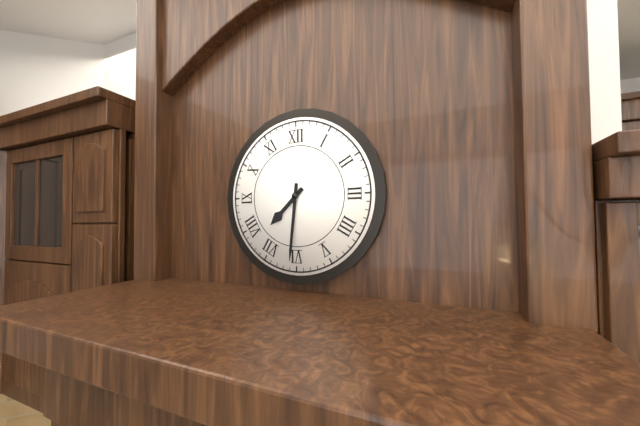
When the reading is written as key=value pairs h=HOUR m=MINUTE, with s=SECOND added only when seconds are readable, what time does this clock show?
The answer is h=7 m=31
